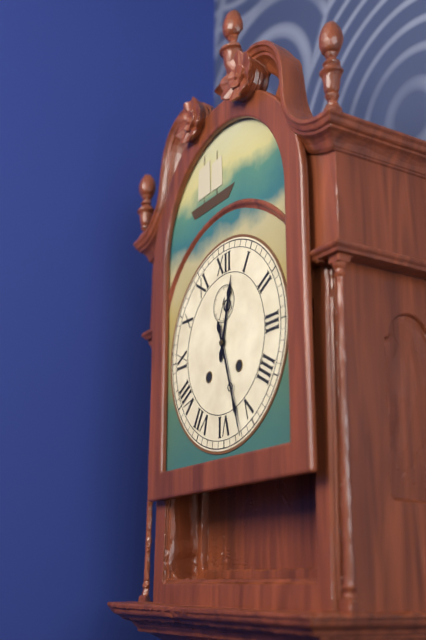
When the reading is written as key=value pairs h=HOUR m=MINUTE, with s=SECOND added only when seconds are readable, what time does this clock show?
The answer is h=12 m=27
